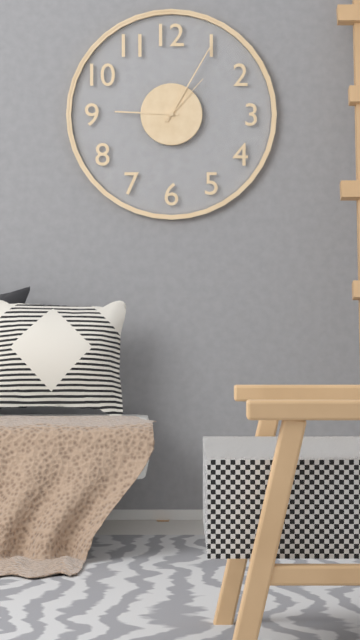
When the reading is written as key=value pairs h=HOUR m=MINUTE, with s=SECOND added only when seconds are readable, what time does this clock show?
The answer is h=9 m=5 s=7
